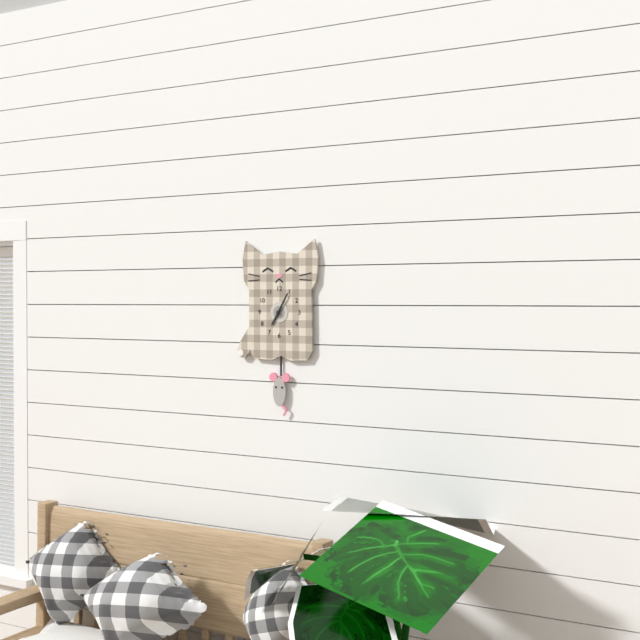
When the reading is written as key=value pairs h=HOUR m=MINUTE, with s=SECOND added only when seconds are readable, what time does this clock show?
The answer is h=7 m=5
